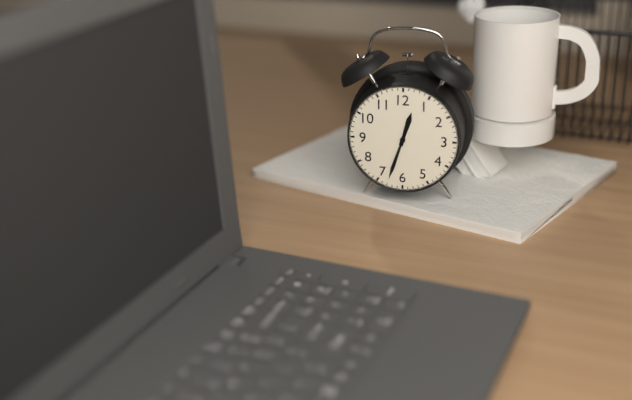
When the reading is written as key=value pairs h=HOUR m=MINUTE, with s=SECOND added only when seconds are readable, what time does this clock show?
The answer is h=12 m=33
